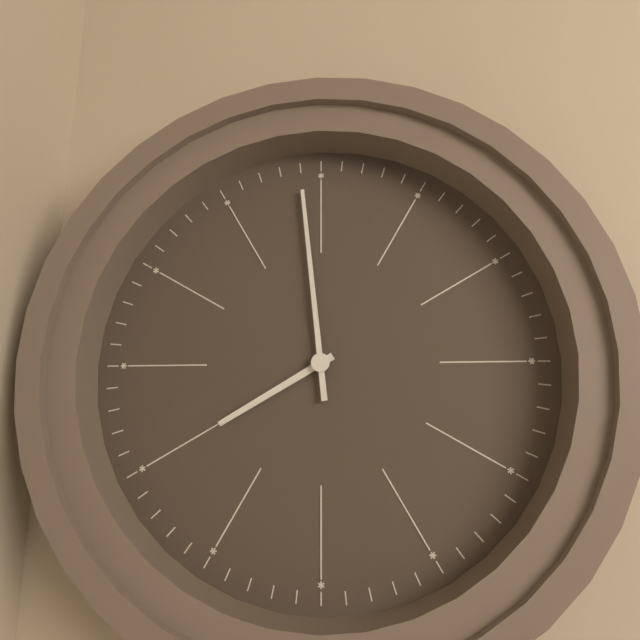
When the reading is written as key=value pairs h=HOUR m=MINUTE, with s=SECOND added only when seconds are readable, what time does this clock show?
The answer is h=7 m=59
